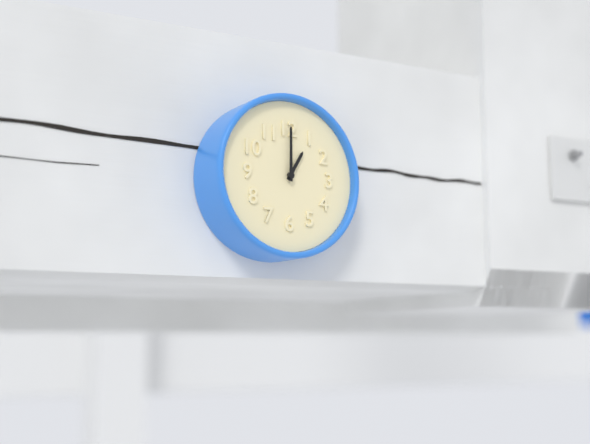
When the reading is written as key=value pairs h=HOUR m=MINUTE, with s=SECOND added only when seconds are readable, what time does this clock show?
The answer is h=1 m=0
